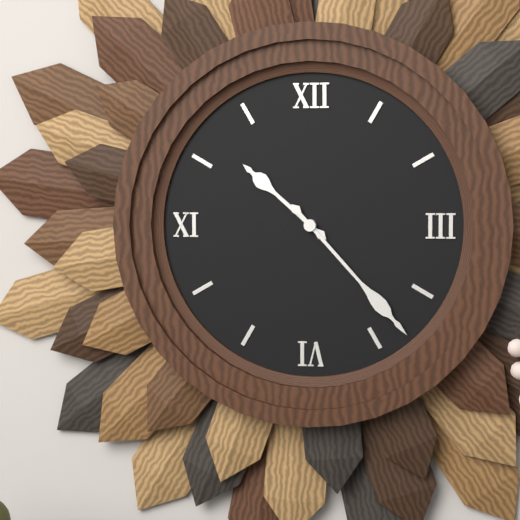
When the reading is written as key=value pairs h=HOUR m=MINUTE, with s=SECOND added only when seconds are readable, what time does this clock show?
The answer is h=10 m=23
